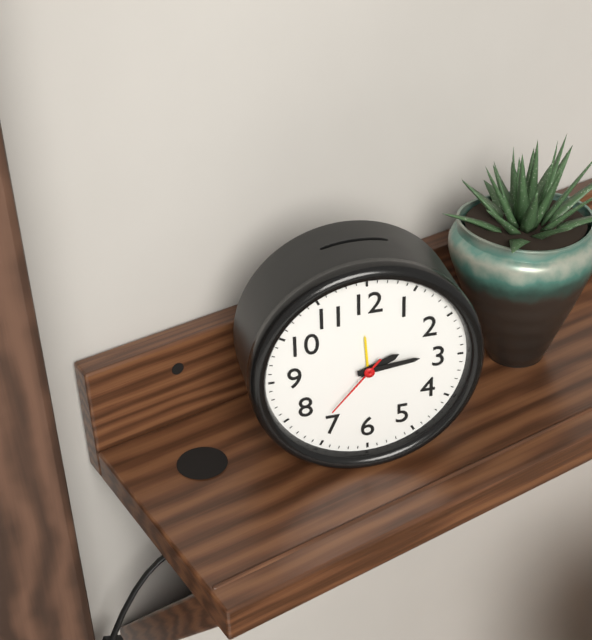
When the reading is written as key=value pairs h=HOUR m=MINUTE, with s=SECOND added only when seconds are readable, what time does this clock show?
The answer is h=2 m=14 s=37
